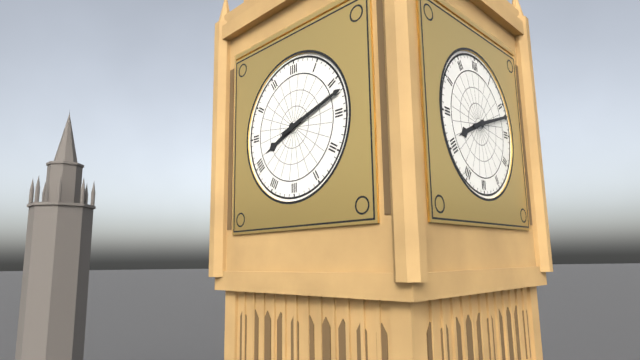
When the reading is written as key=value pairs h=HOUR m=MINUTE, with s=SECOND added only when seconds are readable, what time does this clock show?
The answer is h=8 m=12
